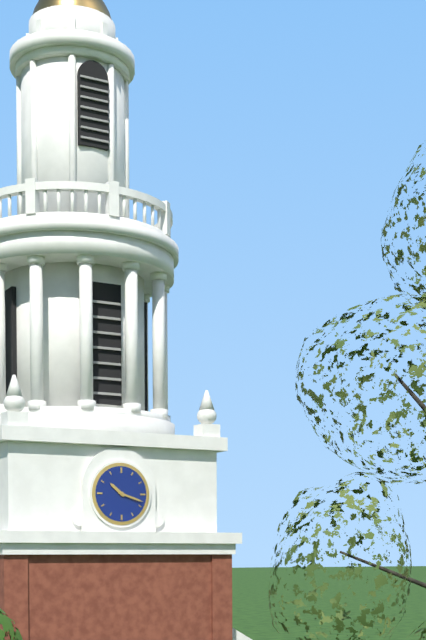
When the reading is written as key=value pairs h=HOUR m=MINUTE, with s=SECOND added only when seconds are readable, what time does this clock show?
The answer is h=10 m=18
